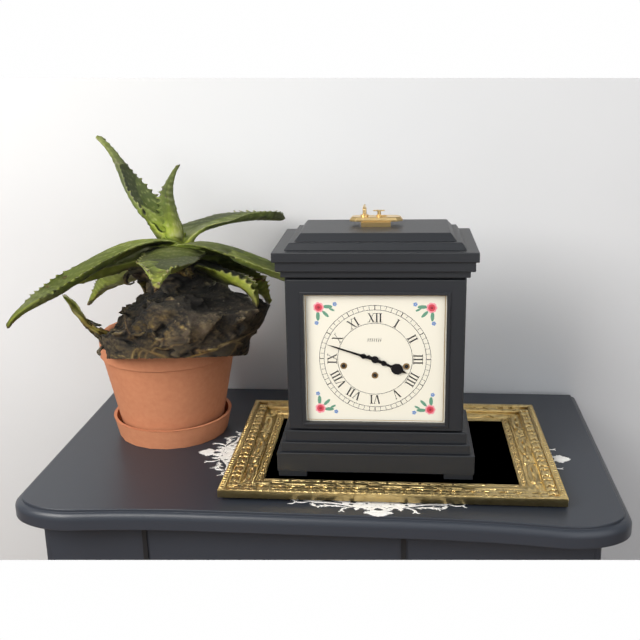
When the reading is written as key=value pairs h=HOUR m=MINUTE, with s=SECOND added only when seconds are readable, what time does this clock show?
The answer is h=3 m=48
